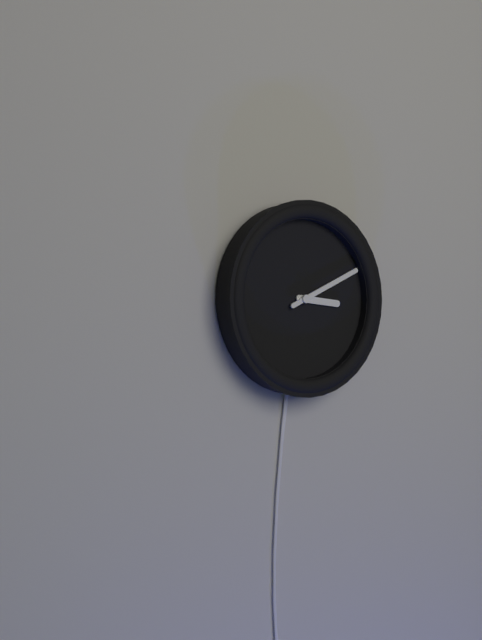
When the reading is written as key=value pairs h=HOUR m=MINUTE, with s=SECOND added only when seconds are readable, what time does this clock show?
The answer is h=3 m=11
